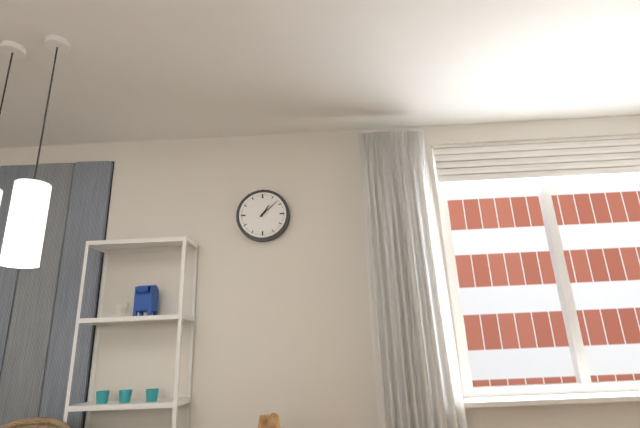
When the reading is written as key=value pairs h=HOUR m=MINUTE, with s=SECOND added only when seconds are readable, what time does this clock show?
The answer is h=1 m=8
